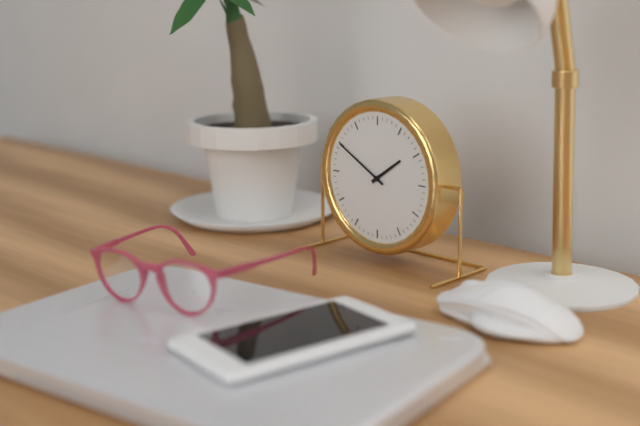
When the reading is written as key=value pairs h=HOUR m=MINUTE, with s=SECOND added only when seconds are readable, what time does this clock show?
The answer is h=1 m=50
